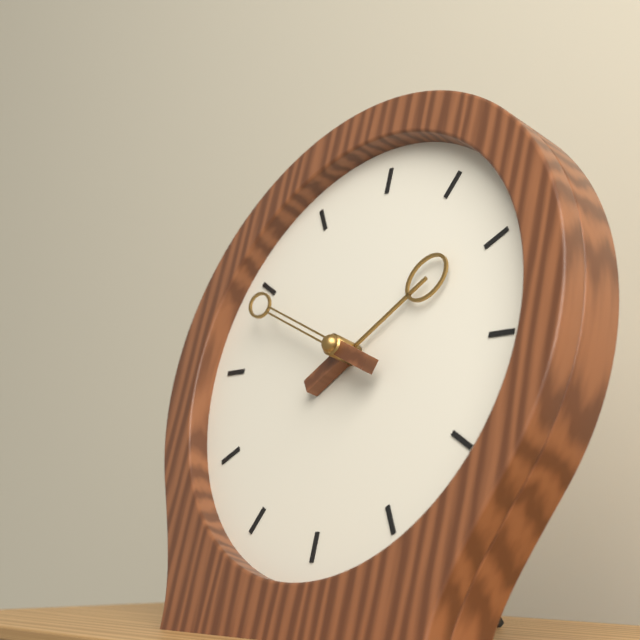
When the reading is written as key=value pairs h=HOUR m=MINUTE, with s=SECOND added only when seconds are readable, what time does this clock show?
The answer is h=1 m=49
